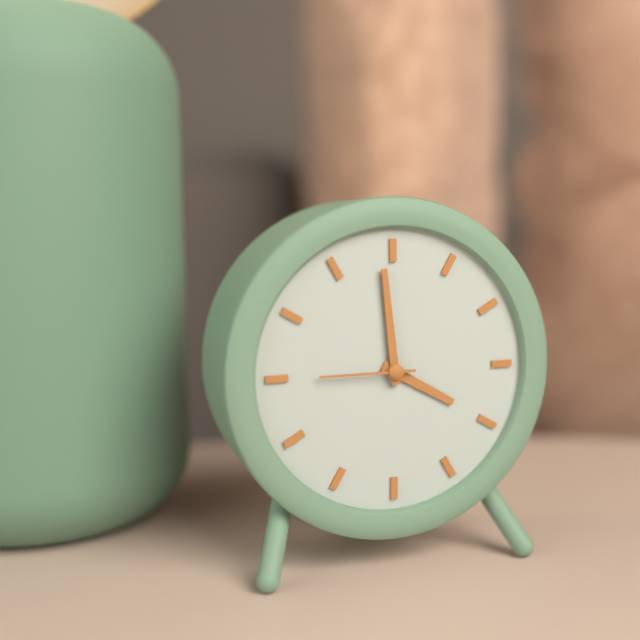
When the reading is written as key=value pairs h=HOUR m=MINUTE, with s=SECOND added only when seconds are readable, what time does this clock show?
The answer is h=3 m=59 s=45
